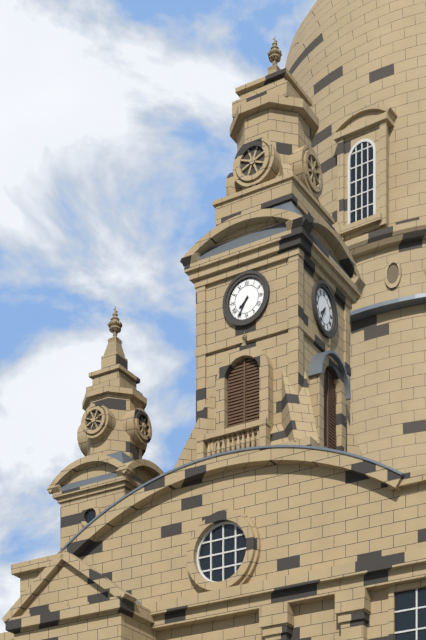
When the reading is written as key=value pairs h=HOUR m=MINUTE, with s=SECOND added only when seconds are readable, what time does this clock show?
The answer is h=7 m=35
